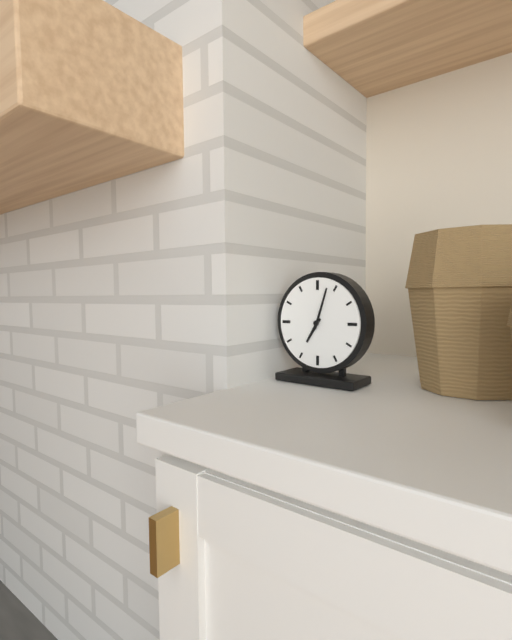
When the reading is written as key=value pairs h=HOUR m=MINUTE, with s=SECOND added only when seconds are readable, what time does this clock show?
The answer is h=7 m=3
